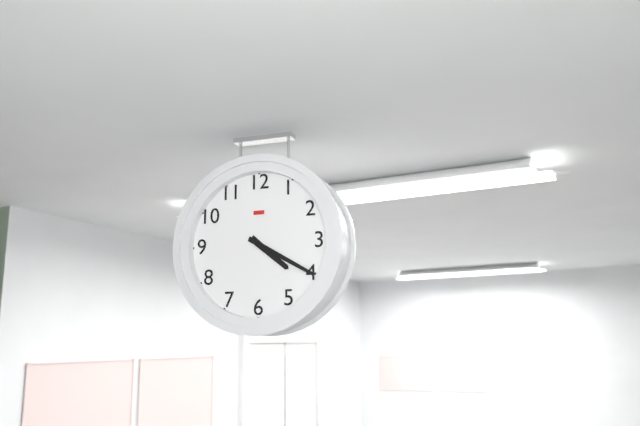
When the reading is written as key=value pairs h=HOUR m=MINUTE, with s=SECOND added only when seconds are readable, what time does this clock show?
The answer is h=4 m=20
